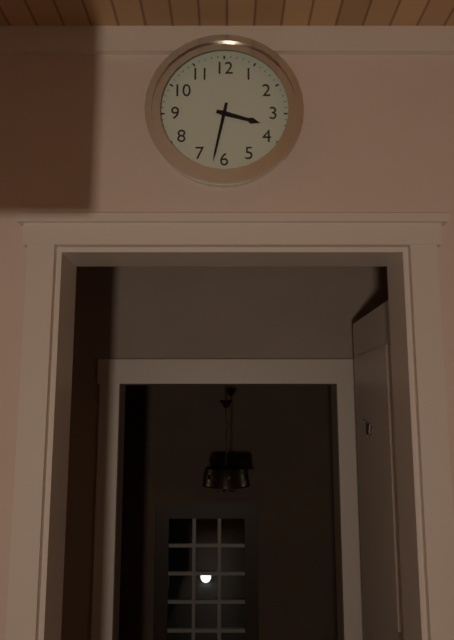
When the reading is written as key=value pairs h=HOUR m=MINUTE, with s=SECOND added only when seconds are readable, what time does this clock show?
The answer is h=3 m=32
